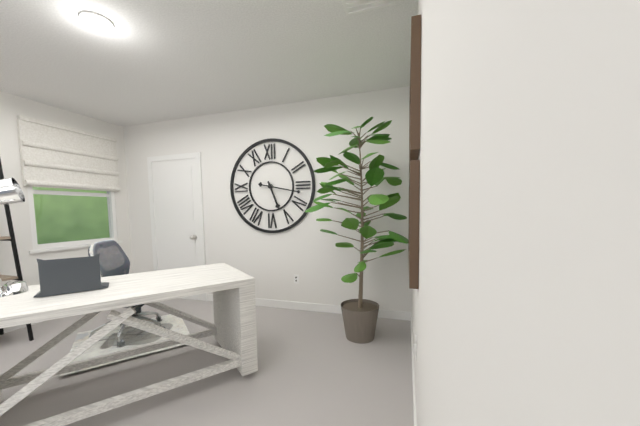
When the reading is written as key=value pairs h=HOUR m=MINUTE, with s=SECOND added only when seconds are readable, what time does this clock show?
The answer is h=5 m=17
